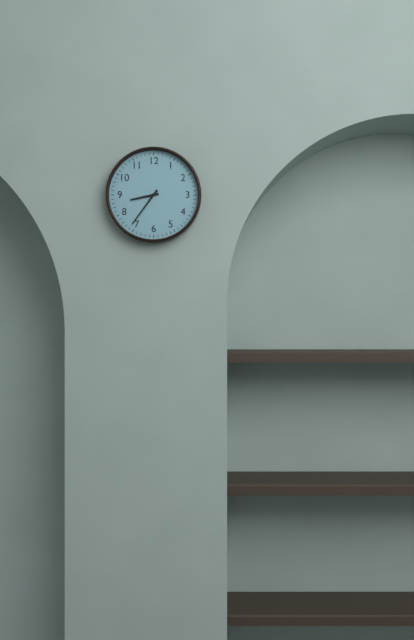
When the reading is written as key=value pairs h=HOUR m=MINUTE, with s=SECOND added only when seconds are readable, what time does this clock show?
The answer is h=8 m=36
